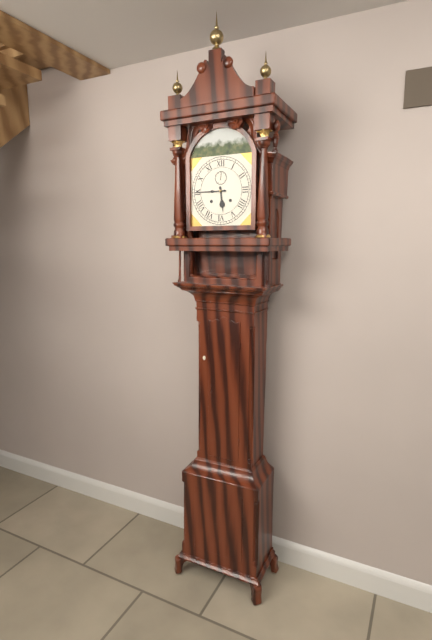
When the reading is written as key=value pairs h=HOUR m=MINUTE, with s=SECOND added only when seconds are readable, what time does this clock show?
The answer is h=5 m=45
